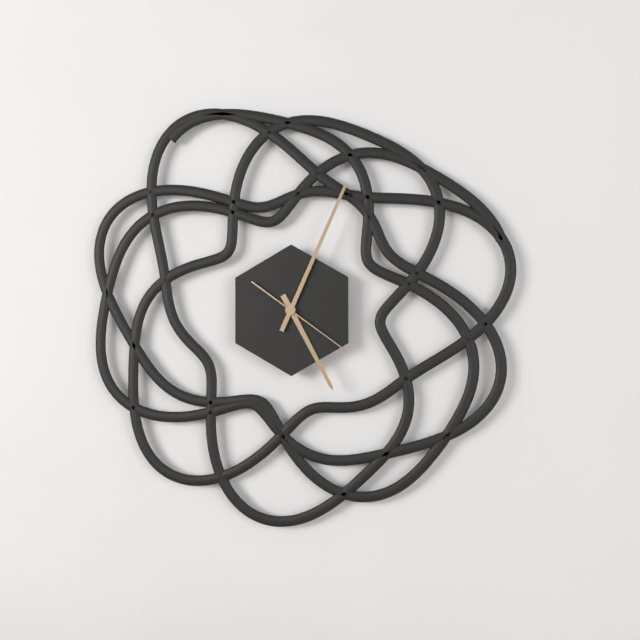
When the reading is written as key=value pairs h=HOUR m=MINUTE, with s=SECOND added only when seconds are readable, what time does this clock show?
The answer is h=5 m=4 s=21
